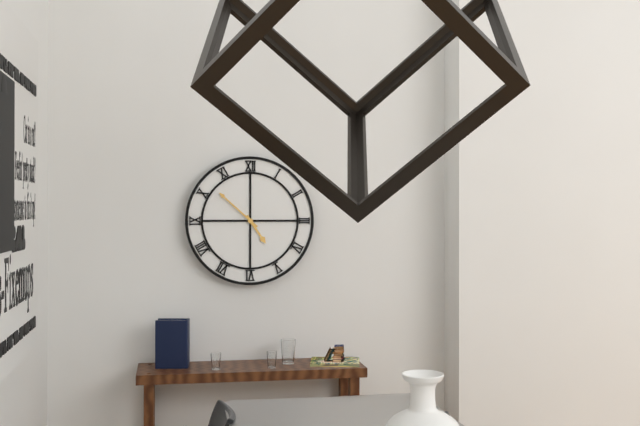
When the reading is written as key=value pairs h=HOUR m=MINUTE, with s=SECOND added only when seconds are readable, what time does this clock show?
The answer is h=4 m=52
